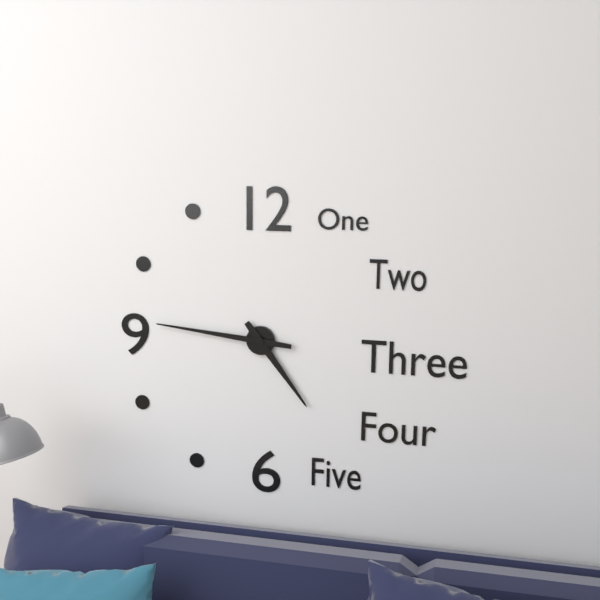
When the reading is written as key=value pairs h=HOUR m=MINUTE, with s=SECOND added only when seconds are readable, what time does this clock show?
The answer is h=4 m=46
